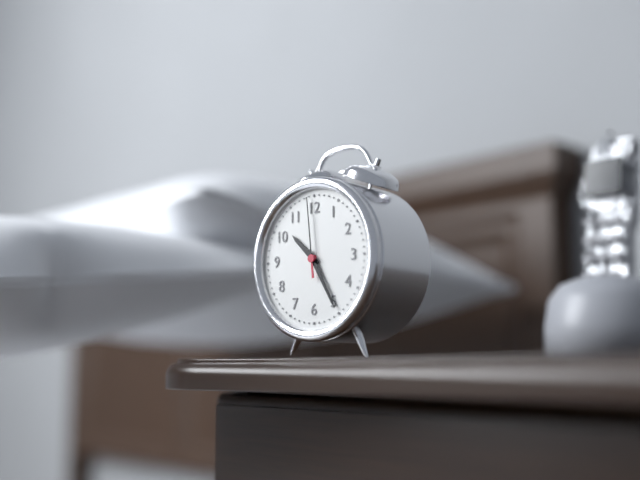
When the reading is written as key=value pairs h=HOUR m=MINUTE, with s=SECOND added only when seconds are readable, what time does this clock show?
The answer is h=10 m=25 s=59
